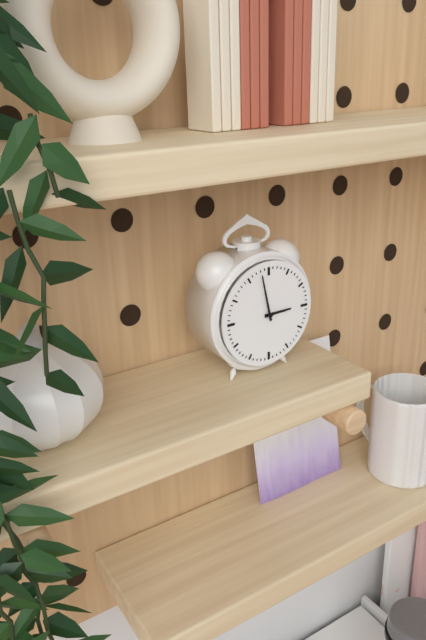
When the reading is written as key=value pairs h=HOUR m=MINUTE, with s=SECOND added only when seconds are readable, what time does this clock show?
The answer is h=2 m=58
